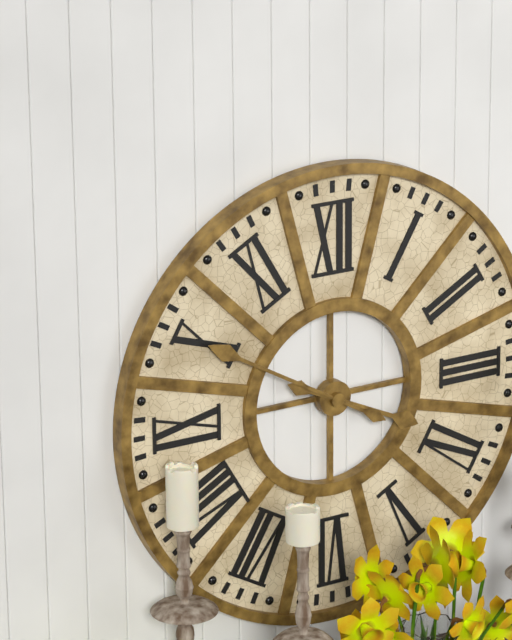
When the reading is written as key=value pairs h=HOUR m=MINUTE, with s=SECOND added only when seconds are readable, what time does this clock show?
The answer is h=3 m=50
